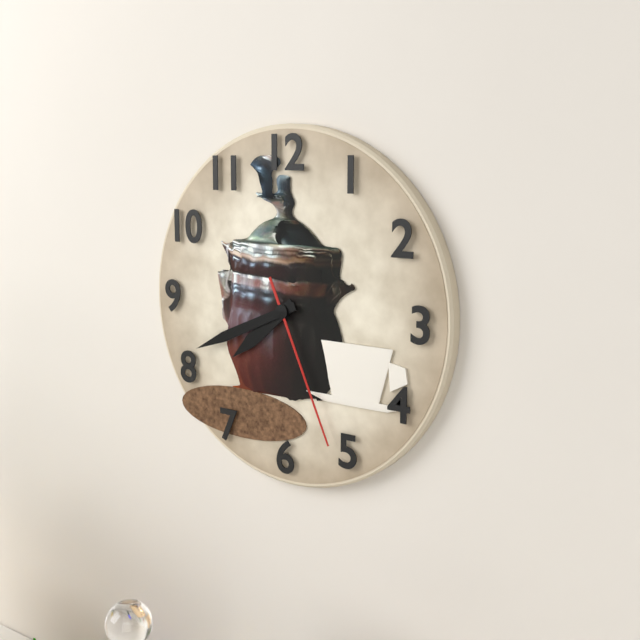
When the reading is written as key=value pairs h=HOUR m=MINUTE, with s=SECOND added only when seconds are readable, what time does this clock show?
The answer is h=7 m=41 s=26
